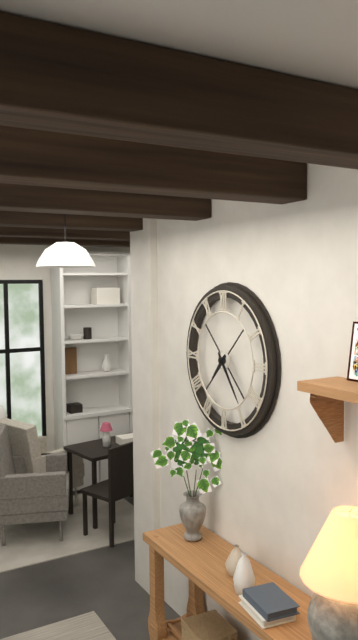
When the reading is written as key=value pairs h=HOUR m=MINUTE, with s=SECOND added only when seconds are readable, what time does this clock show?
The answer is h=7 m=24
